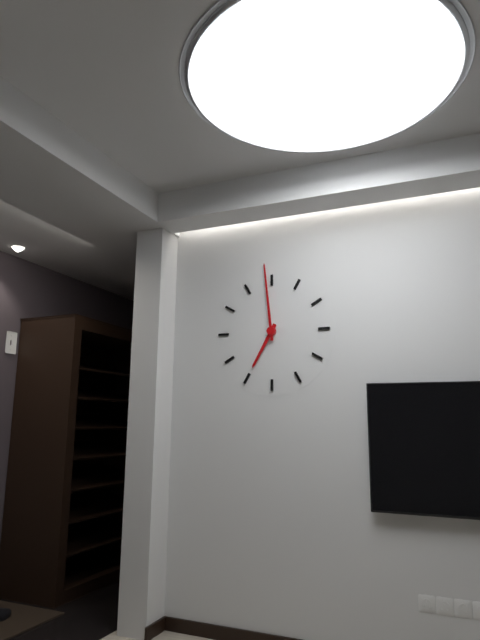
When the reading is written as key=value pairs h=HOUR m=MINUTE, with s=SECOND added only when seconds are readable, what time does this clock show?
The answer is h=6 m=59
